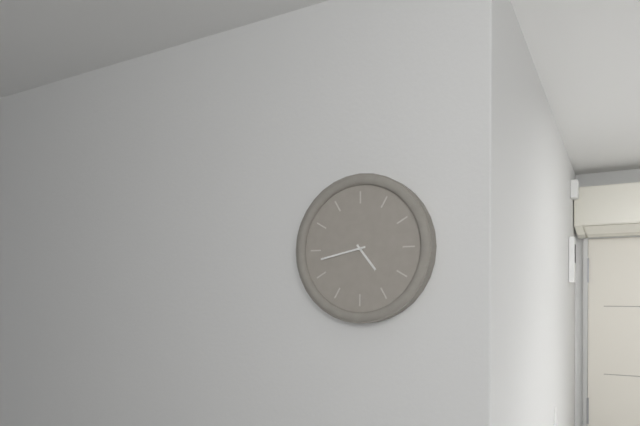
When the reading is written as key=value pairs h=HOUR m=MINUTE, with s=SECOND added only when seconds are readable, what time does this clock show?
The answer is h=4 m=43
